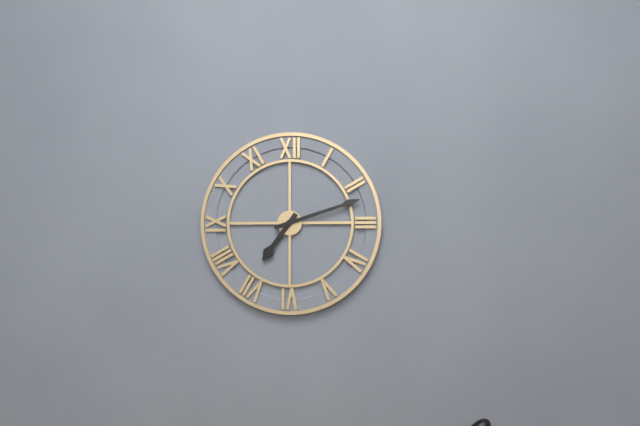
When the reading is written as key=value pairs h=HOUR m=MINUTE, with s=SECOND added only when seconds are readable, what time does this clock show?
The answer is h=7 m=12
